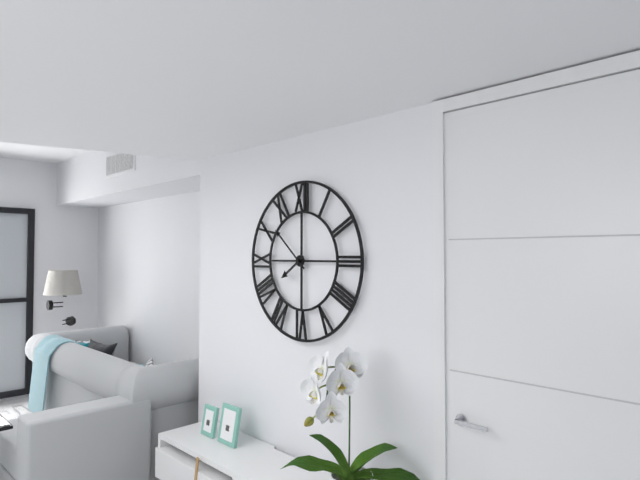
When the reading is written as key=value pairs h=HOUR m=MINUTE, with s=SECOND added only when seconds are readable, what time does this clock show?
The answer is h=7 m=52
